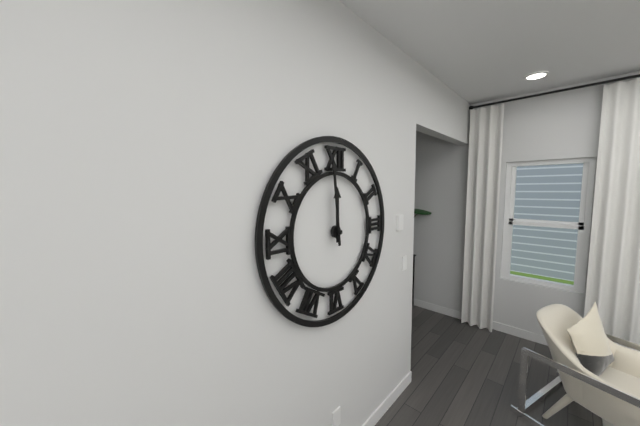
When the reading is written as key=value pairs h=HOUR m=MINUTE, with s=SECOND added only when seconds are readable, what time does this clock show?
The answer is h=11 m=59
